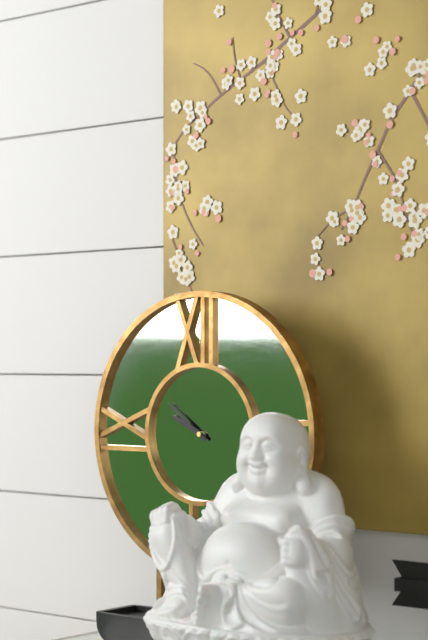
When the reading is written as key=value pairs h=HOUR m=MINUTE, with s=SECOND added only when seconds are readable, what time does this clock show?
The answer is h=9 m=51
